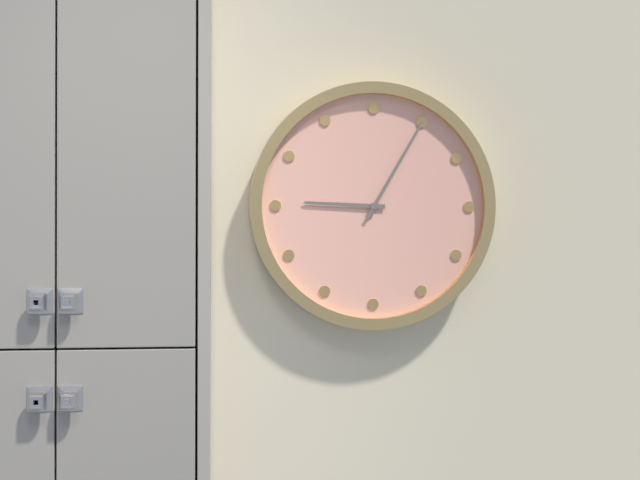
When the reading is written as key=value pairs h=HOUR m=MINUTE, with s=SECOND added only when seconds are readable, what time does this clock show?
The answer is h=9 m=5
